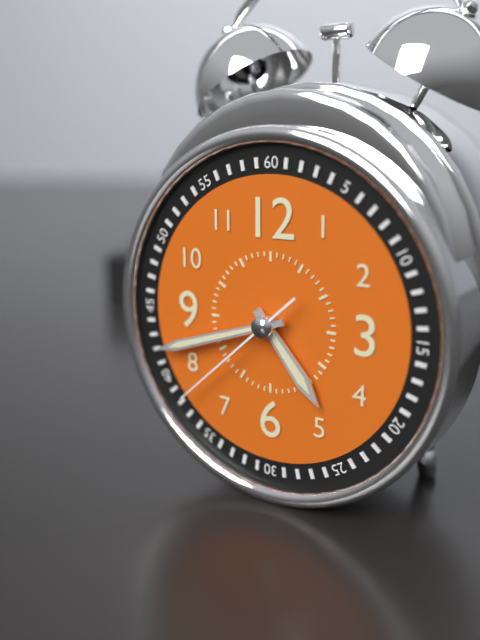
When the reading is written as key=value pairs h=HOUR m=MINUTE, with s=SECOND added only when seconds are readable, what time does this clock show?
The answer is h=4 m=42 s=38
